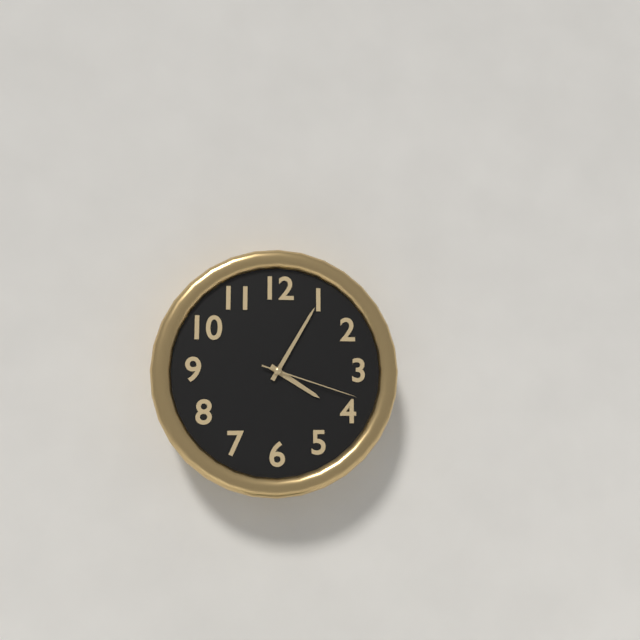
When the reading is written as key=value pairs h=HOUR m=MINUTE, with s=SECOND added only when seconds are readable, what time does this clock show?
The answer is h=4 m=5 s=18
